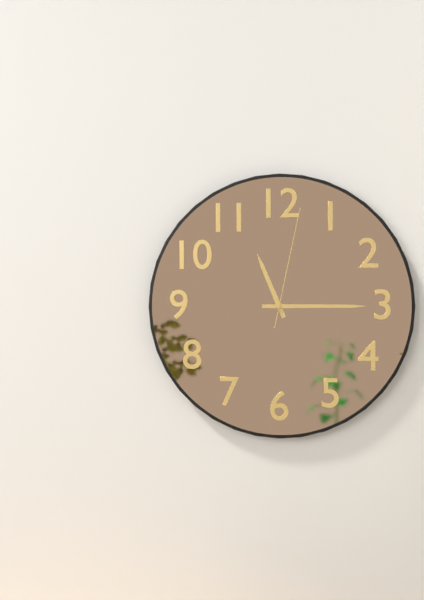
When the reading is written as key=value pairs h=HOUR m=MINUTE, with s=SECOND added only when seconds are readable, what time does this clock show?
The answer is h=11 m=15 s=2
